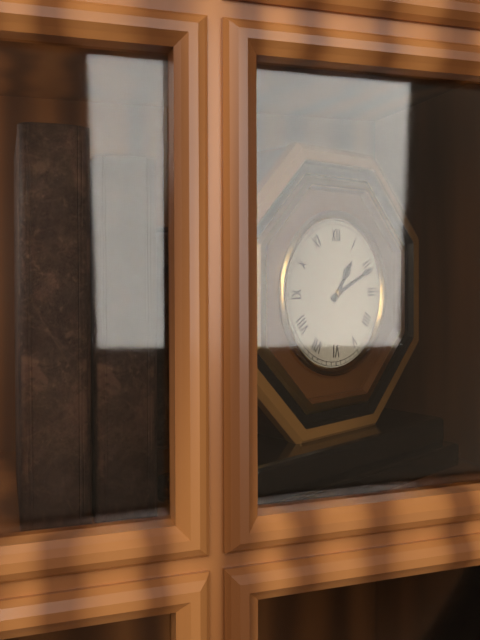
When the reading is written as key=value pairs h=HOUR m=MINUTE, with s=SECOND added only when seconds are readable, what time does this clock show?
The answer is h=1 m=11
